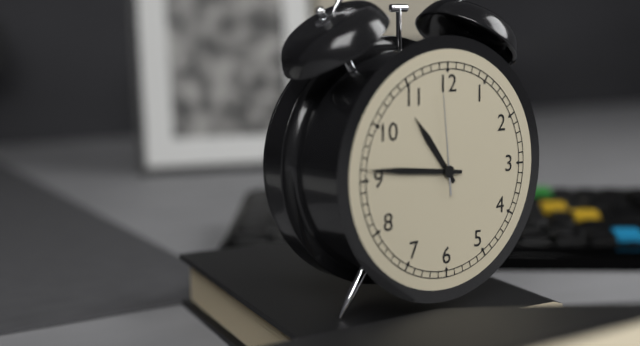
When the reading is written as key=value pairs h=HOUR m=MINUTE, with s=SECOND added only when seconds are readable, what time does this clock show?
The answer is h=10 m=46 s=59
